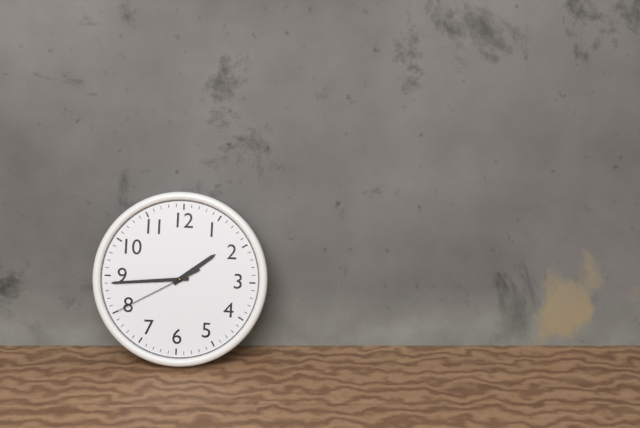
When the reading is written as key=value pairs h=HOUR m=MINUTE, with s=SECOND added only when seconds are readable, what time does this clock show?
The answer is h=1 m=44 s=40
